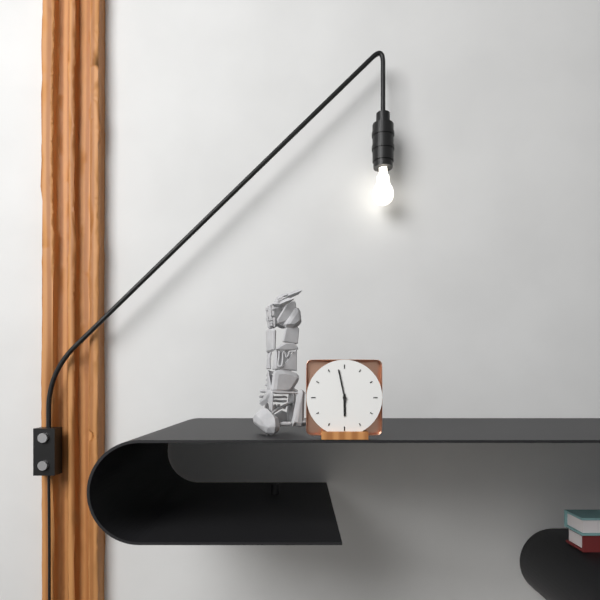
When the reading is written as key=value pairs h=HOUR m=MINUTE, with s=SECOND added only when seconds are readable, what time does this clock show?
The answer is h=5 m=58
